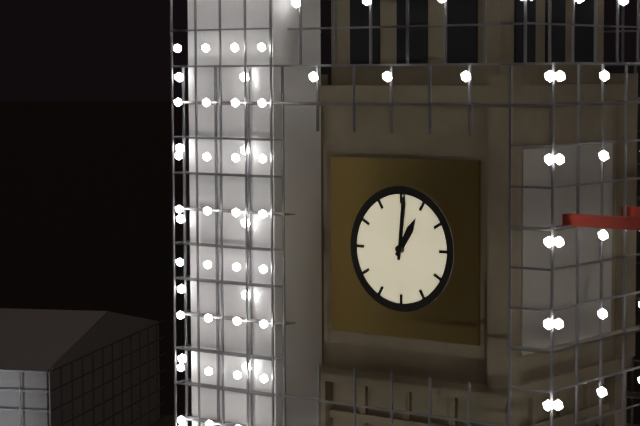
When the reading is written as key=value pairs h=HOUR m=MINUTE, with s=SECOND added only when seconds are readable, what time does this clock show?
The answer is h=1 m=1
